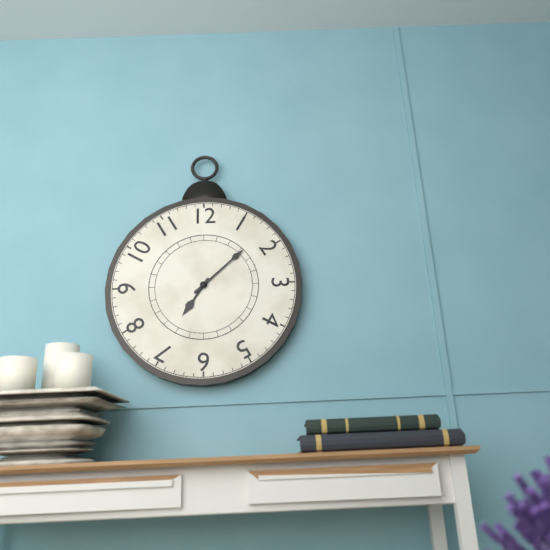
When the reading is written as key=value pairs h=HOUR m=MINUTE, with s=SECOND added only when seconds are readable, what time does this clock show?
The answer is h=7 m=8
